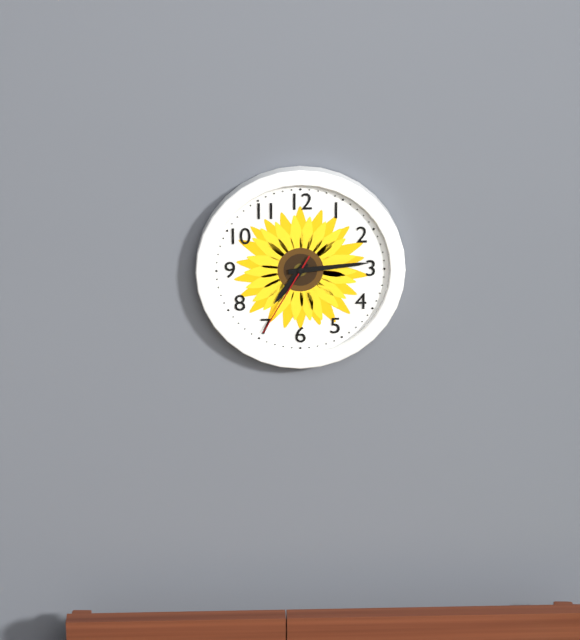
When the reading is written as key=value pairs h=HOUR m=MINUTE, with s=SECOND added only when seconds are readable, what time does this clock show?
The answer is h=7 m=14 s=35
